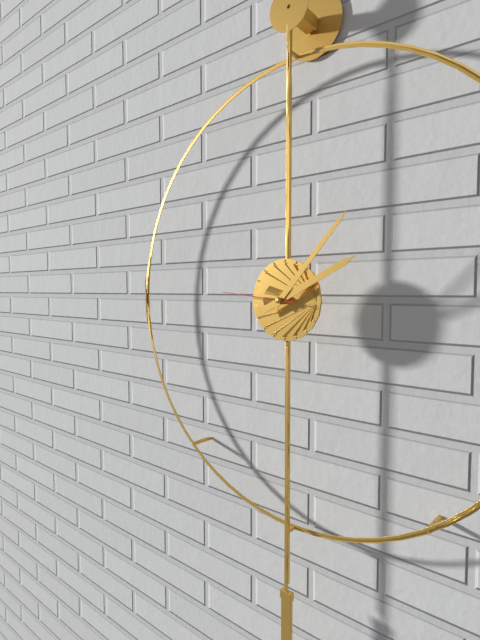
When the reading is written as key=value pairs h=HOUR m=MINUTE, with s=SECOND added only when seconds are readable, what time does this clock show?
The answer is h=2 m=7 s=46
